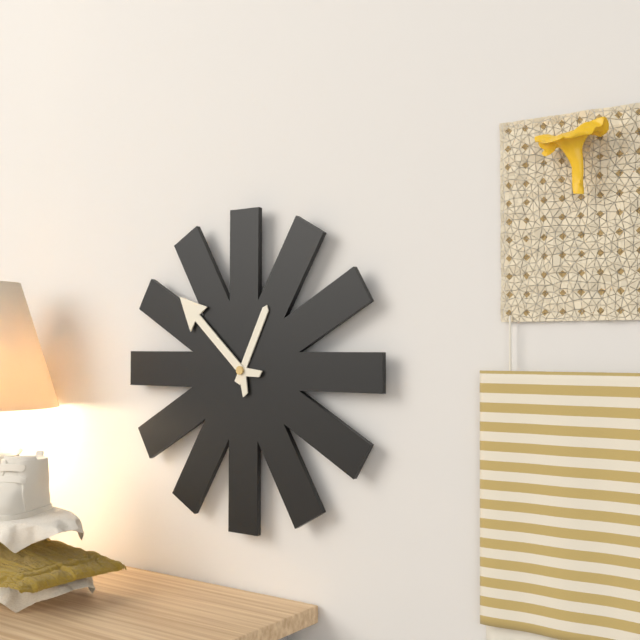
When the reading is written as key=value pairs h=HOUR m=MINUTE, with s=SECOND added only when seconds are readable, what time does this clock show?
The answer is h=12 m=52
